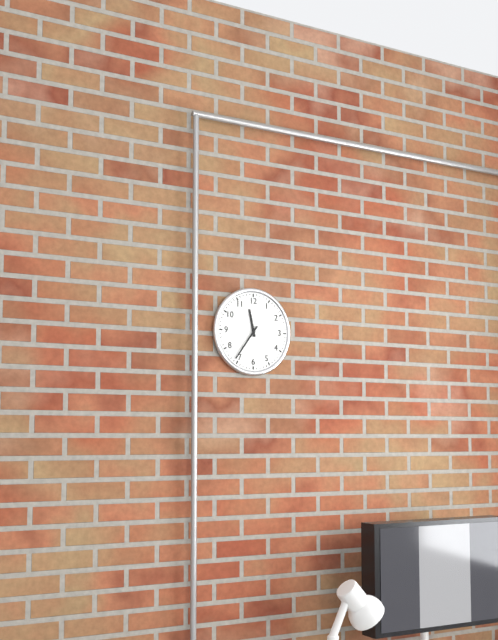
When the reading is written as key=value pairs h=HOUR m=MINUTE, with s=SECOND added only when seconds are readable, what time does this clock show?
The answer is h=11 m=36
